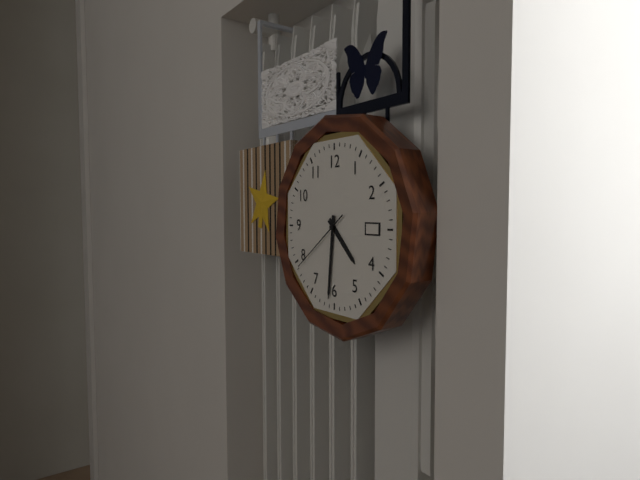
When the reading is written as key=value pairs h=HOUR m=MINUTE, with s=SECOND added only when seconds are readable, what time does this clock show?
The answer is h=4 m=31 s=39
